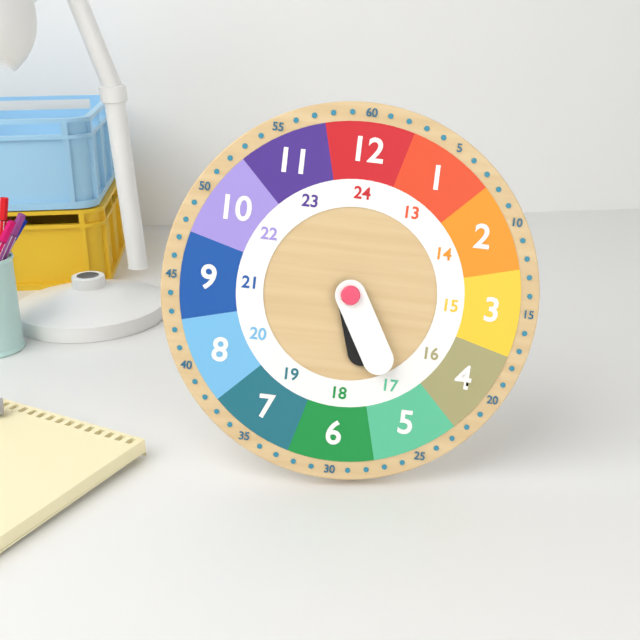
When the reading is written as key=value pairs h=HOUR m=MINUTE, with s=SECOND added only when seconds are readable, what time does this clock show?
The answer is h=5 m=25
